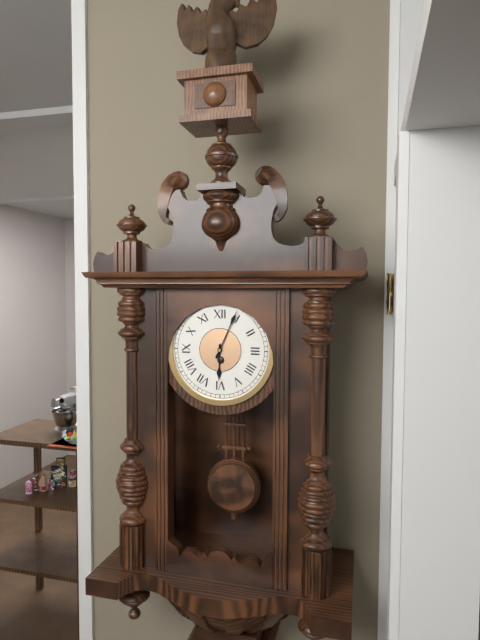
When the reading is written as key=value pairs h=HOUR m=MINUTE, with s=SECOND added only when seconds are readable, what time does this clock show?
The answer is h=6 m=4
